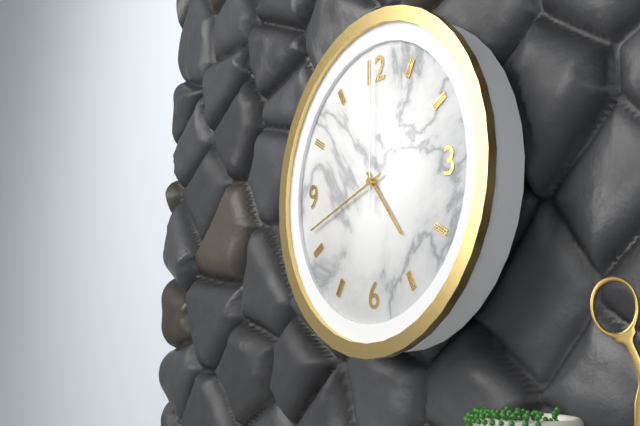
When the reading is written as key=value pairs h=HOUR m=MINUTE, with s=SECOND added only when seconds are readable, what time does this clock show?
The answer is h=4 m=42 s=0
